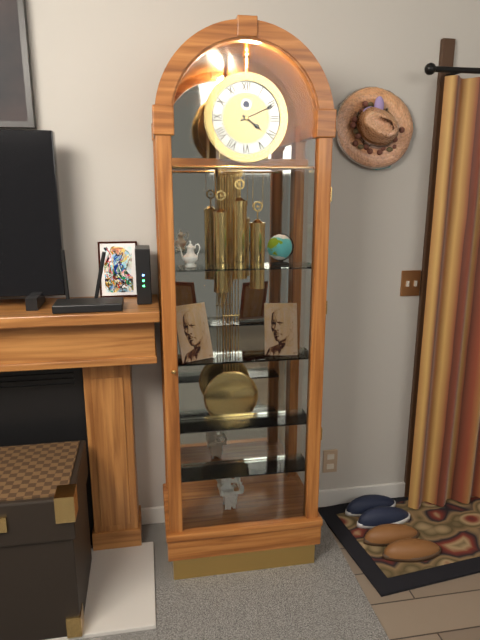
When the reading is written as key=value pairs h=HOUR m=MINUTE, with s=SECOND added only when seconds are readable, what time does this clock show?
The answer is h=4 m=11
